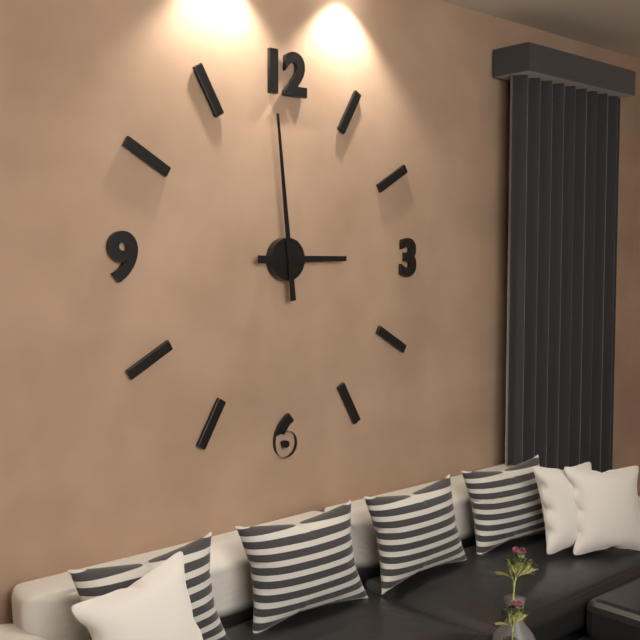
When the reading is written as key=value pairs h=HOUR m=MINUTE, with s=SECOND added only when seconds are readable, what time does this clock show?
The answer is h=2 m=59
